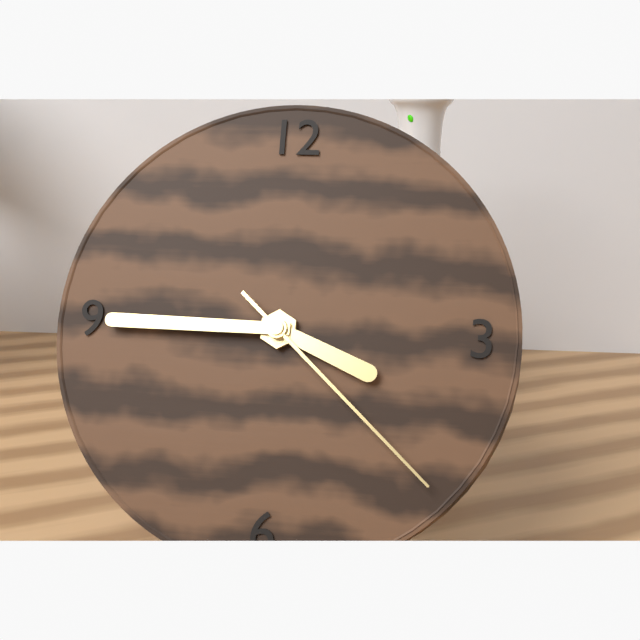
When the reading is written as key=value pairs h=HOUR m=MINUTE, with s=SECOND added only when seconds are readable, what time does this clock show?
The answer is h=3 m=45 s=22
